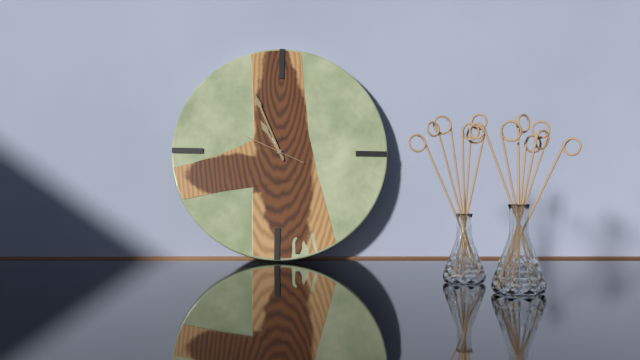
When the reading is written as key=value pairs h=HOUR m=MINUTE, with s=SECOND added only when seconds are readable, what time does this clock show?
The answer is h=10 m=56 s=49
